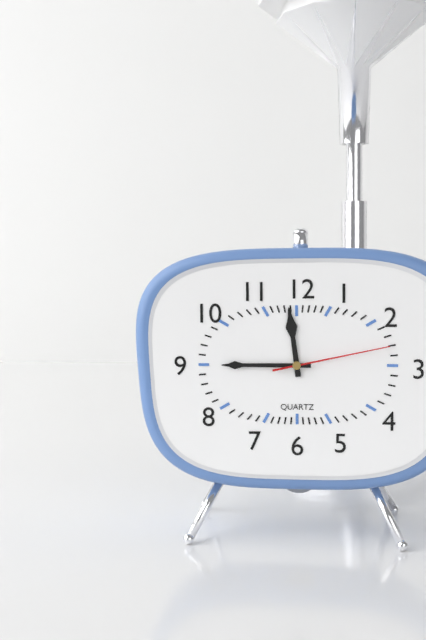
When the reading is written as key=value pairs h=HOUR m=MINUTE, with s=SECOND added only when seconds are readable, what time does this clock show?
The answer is h=11 m=45 s=13
